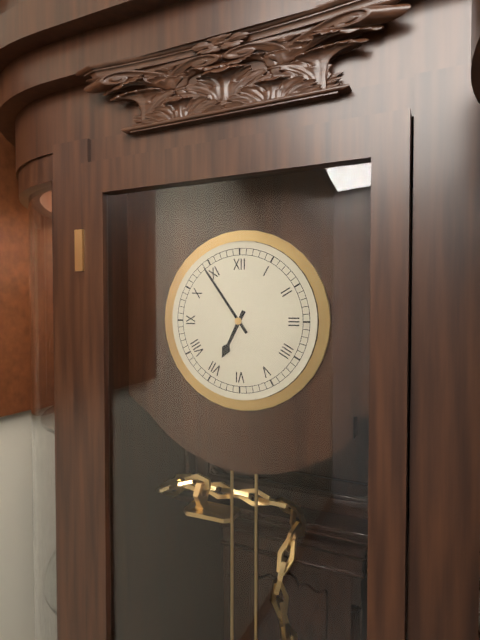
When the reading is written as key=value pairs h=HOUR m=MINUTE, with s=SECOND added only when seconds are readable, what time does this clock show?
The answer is h=6 m=54
